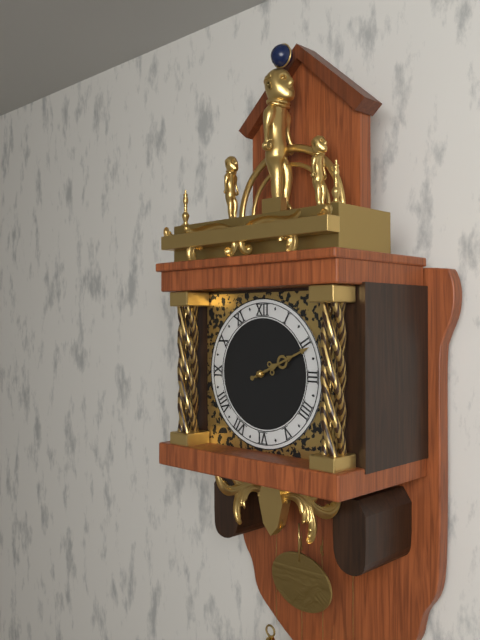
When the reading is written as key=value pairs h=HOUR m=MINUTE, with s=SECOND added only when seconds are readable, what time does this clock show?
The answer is h=2 m=11
